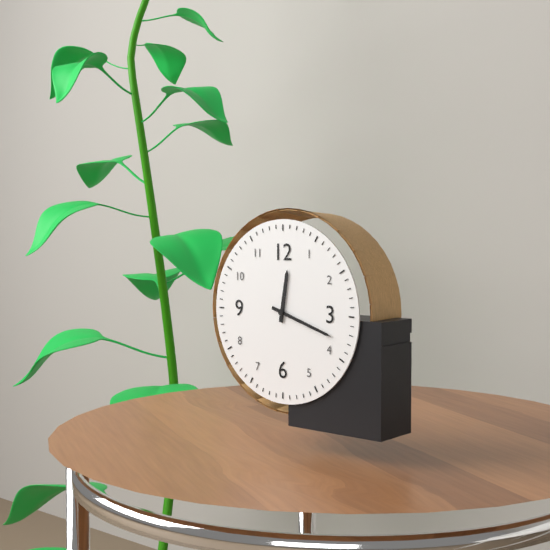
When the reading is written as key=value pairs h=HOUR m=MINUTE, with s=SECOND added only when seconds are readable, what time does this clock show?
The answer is h=12 m=18
